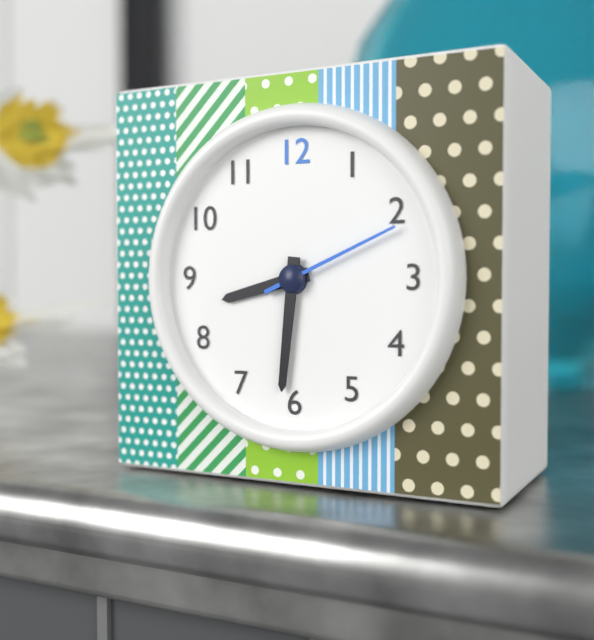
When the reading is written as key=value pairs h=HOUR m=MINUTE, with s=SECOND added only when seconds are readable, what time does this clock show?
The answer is h=8 m=31 s=11
